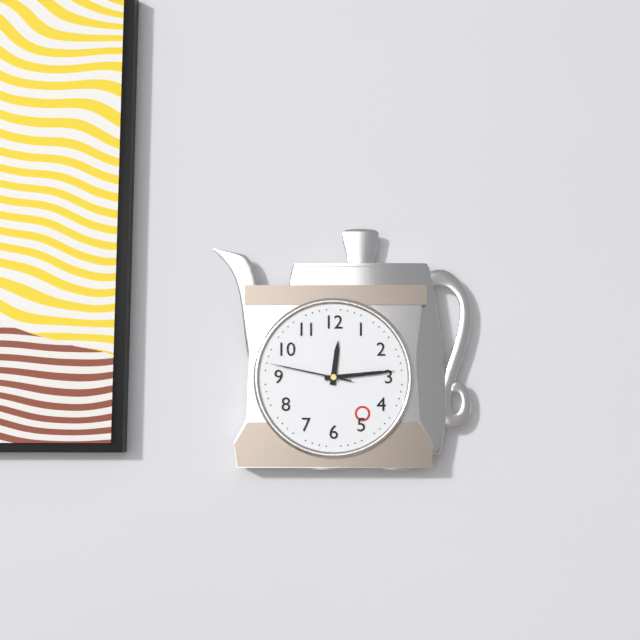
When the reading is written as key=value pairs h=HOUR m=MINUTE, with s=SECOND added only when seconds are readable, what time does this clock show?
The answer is h=12 m=14 s=47
